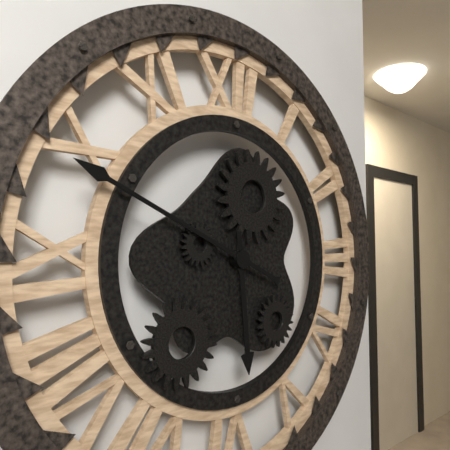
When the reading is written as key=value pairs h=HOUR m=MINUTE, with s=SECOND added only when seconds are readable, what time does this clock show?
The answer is h=5 m=49
